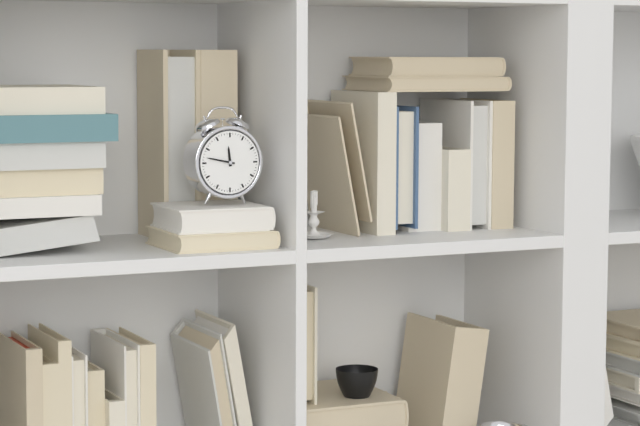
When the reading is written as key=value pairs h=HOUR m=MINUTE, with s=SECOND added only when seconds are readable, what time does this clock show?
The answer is h=11 m=47
